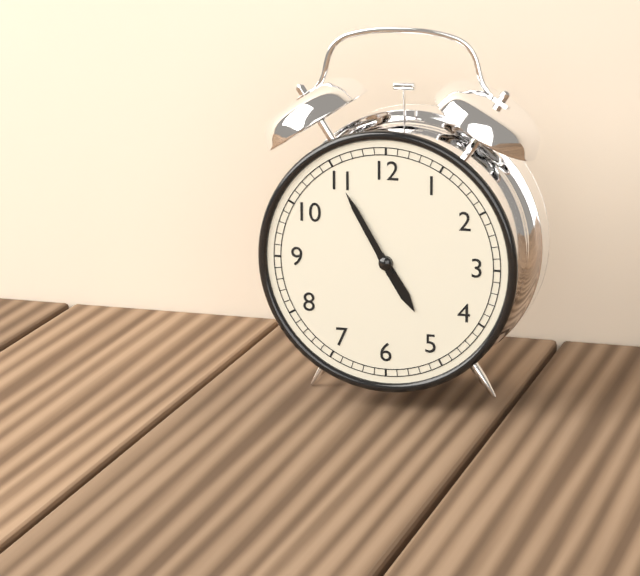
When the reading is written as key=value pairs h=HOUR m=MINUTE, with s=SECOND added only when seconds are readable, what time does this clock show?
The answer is h=4 m=55
